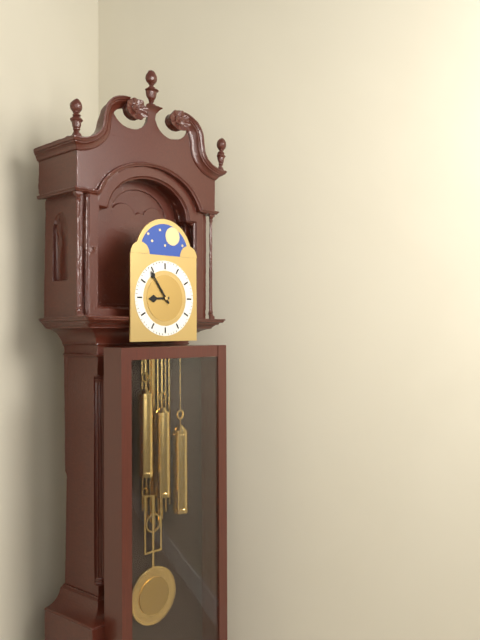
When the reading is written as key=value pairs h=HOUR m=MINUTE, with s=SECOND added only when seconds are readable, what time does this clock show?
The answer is h=8 m=54
